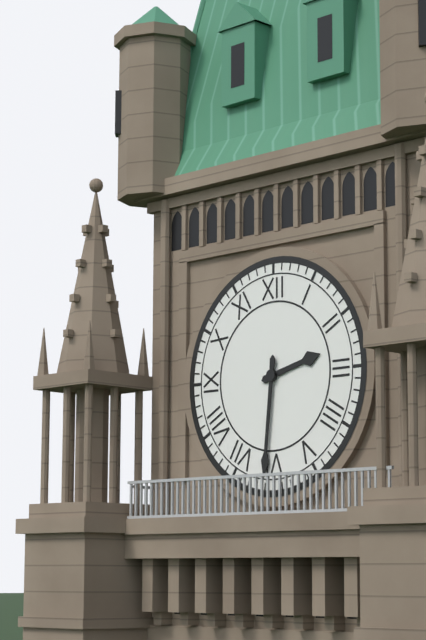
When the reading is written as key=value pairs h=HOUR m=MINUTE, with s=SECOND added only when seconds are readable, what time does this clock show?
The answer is h=2 m=31
